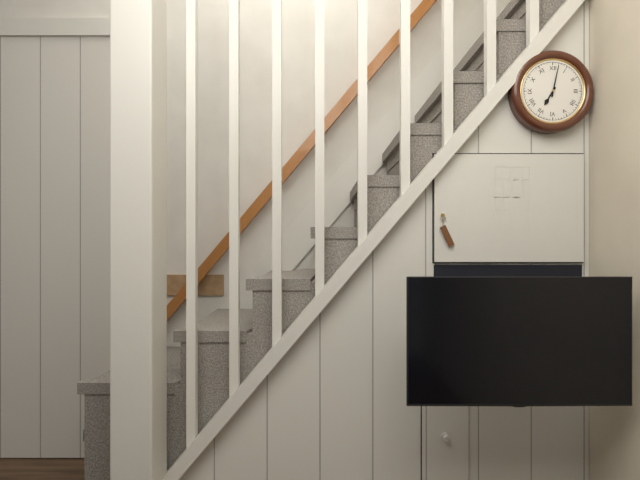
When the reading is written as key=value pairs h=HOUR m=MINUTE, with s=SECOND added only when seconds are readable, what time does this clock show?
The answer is h=7 m=2
